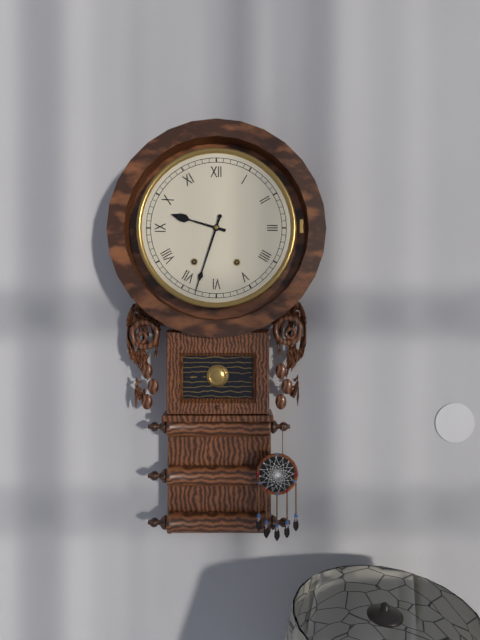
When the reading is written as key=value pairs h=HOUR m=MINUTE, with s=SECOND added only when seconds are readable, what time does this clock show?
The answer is h=9 m=33
